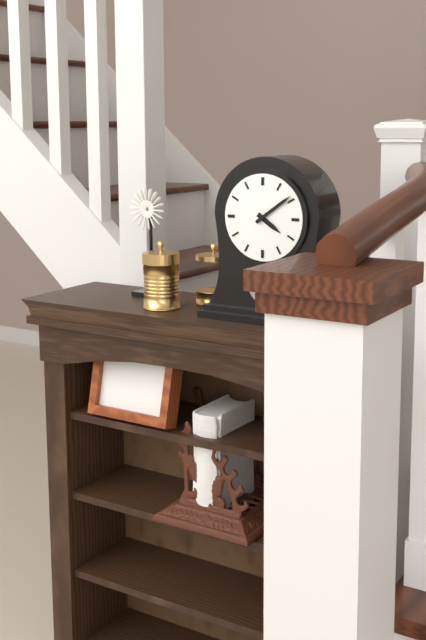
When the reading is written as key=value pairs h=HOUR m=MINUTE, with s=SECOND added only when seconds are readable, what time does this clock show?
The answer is h=4 m=9
